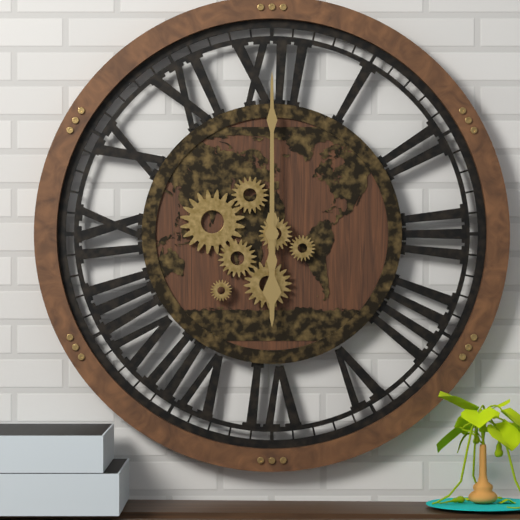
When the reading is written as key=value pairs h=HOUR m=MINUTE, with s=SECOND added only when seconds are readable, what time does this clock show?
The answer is h=6 m=0
